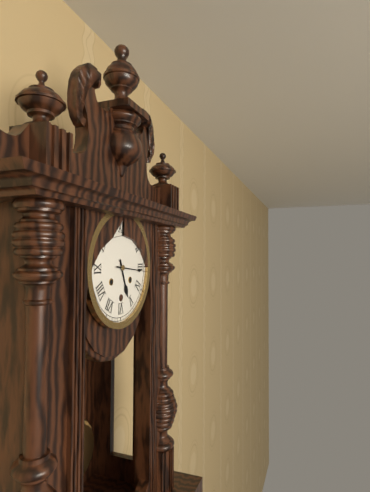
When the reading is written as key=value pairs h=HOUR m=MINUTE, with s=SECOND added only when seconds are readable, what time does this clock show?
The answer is h=5 m=16
